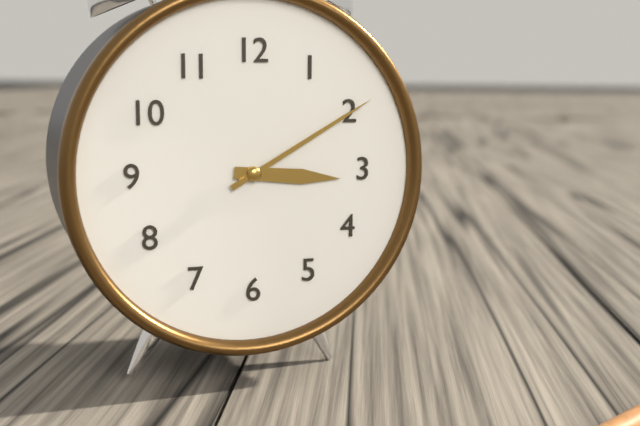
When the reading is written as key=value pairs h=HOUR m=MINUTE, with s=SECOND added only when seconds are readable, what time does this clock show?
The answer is h=3 m=10
